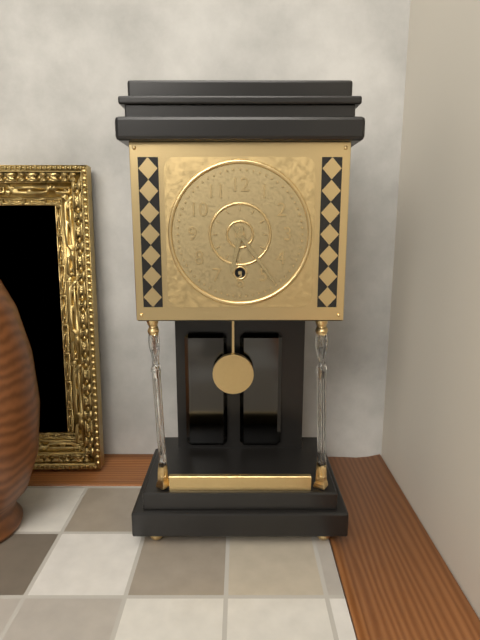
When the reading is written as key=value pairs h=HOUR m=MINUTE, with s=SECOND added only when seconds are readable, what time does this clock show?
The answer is h=6 m=24
